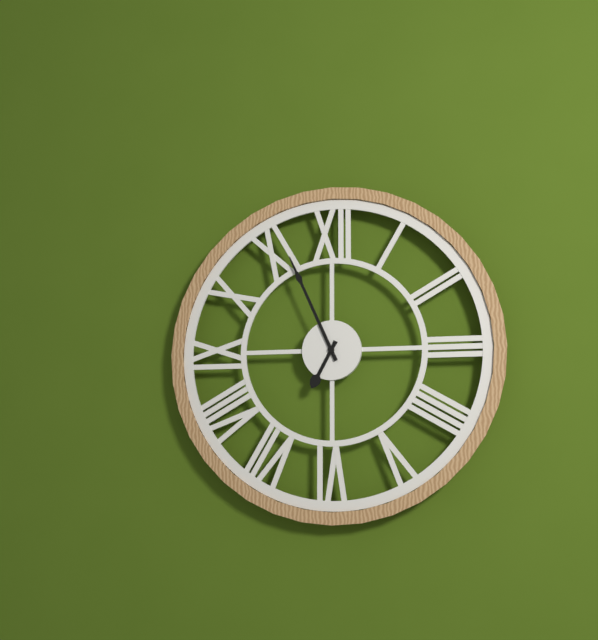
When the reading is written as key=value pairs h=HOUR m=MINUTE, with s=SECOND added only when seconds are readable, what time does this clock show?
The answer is h=6 m=56
